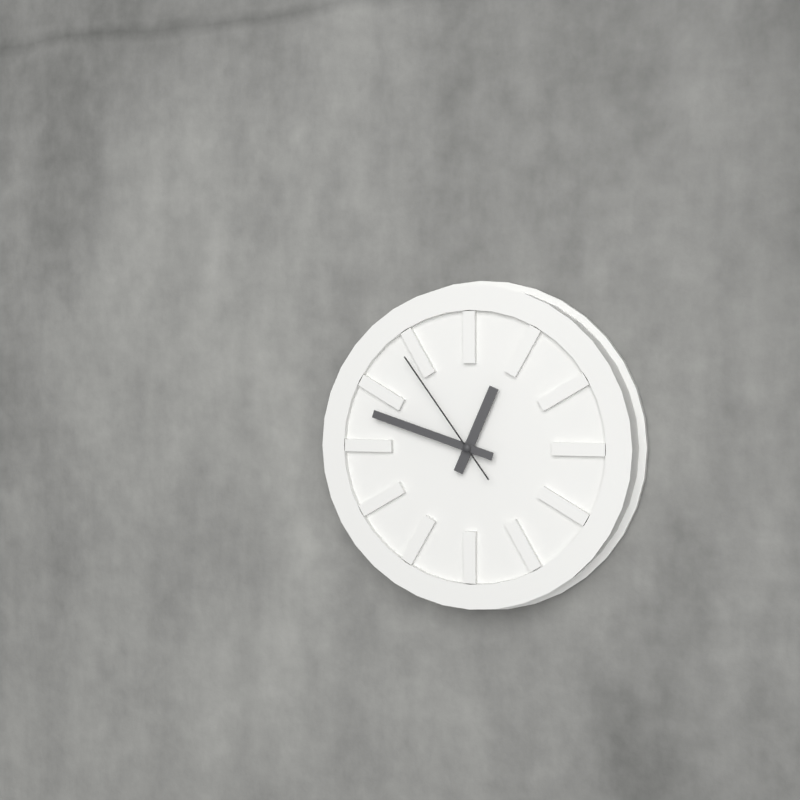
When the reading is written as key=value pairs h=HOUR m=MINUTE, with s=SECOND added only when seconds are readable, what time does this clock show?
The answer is h=12 m=48 s=54
